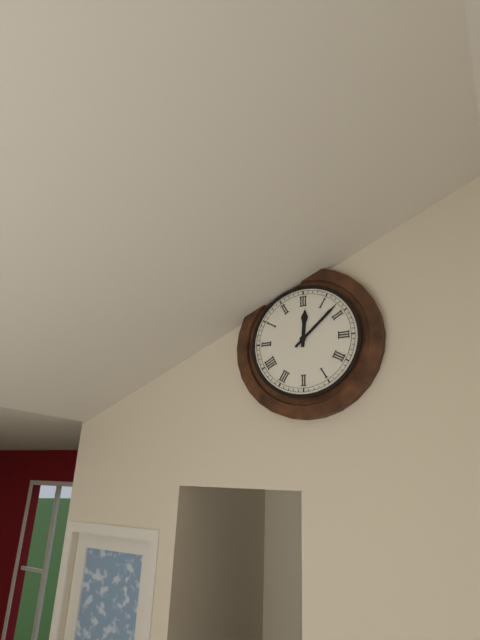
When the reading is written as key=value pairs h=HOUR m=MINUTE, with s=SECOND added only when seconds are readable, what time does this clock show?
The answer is h=12 m=8
